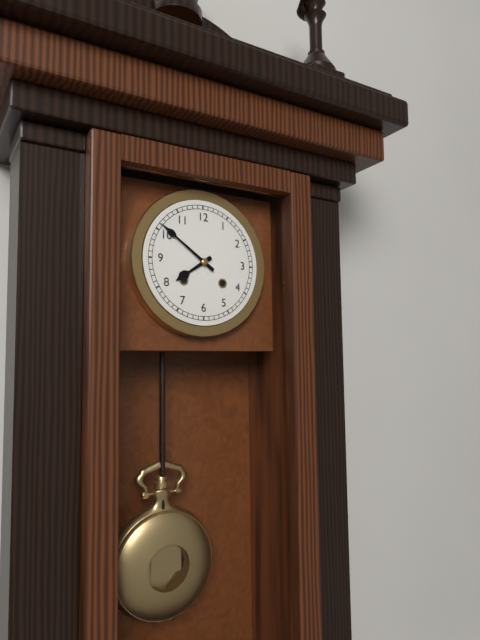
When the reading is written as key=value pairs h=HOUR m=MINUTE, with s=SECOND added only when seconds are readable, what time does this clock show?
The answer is h=7 m=51
